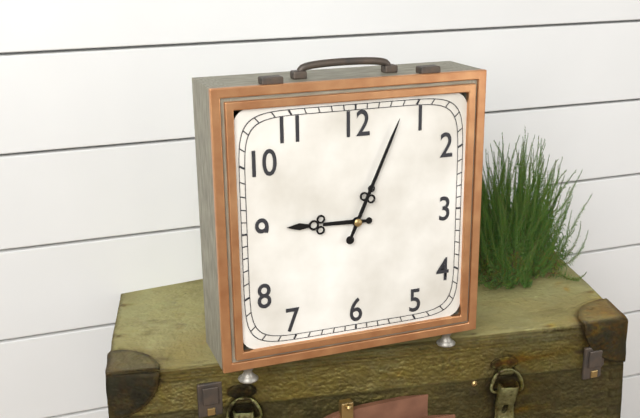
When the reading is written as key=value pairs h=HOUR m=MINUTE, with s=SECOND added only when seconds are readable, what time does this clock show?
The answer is h=9 m=4
